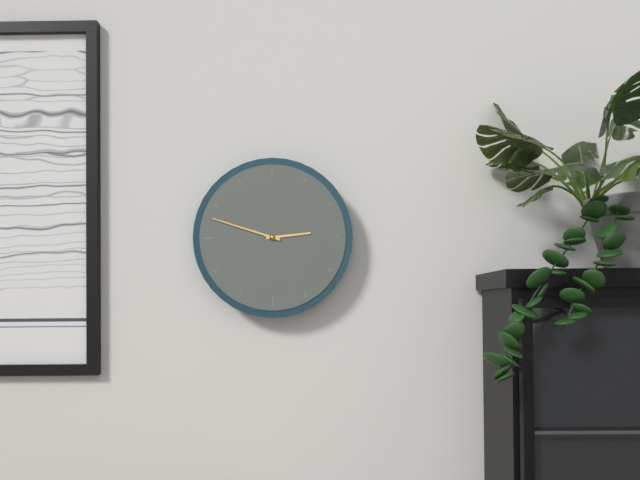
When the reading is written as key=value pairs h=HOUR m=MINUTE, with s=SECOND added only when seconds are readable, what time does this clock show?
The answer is h=2 m=48
